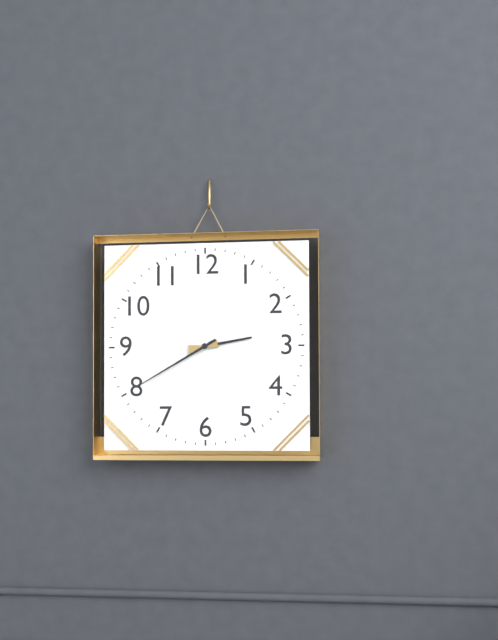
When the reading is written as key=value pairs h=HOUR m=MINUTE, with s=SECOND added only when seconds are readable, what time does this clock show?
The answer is h=2 m=40
